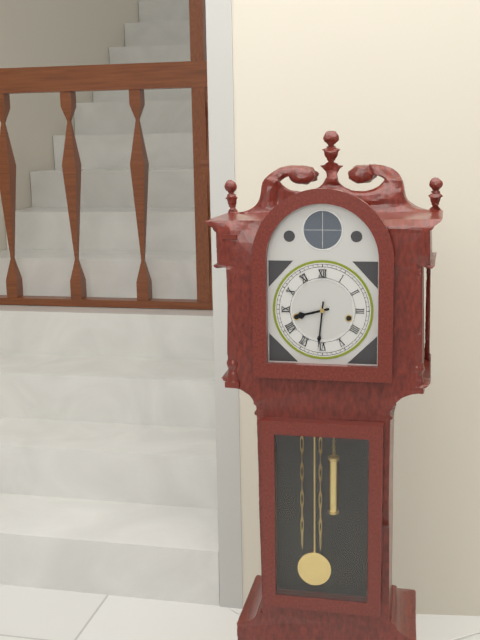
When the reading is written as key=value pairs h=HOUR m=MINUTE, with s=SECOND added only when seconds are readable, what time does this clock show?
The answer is h=8 m=31
